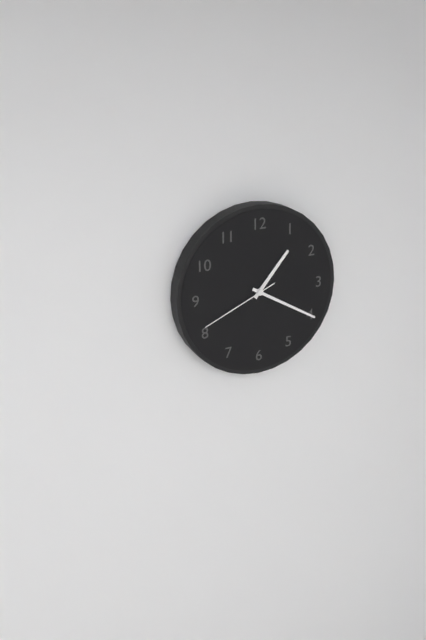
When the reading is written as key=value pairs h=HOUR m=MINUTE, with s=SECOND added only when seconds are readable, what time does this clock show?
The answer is h=1 m=20 s=41
